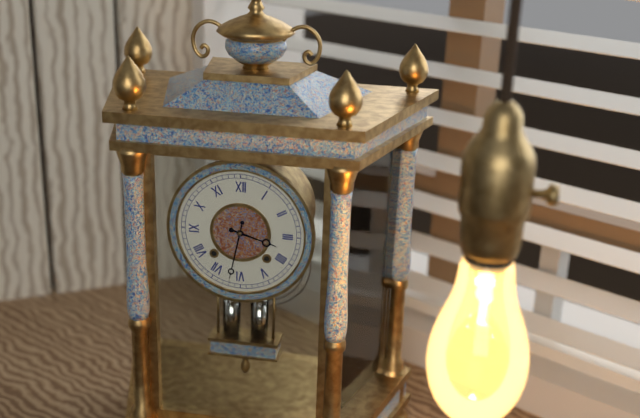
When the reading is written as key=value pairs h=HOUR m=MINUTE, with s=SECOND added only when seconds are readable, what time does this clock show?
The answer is h=3 m=32
